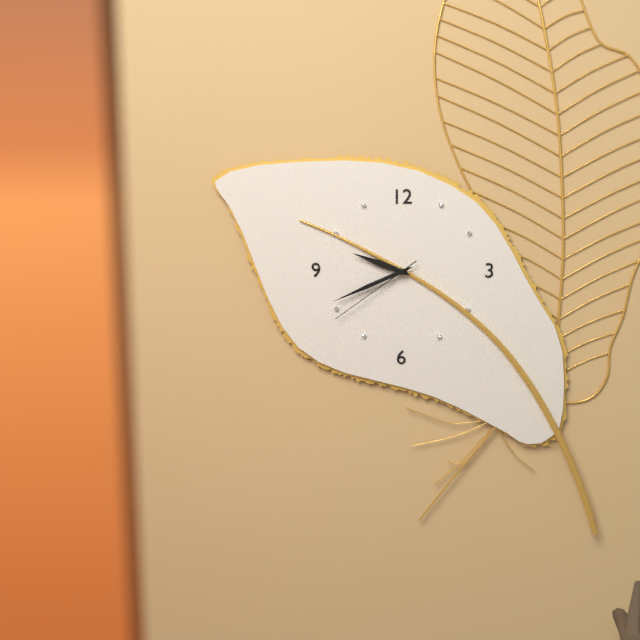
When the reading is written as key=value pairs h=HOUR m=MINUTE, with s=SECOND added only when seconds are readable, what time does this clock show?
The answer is h=9 m=41 s=39
